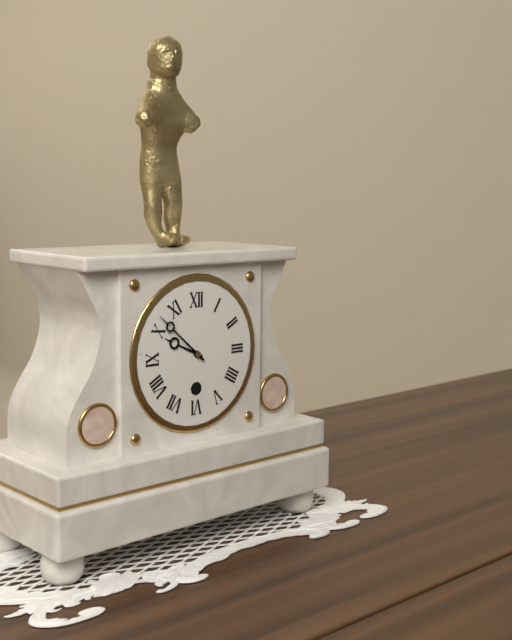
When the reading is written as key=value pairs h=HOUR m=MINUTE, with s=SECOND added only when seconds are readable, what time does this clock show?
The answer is h=9 m=52
